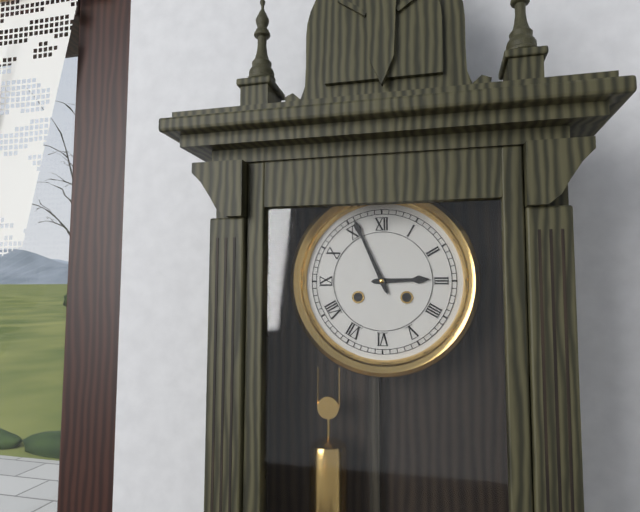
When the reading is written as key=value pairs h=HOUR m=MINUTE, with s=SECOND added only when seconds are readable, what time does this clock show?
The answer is h=2 m=56
